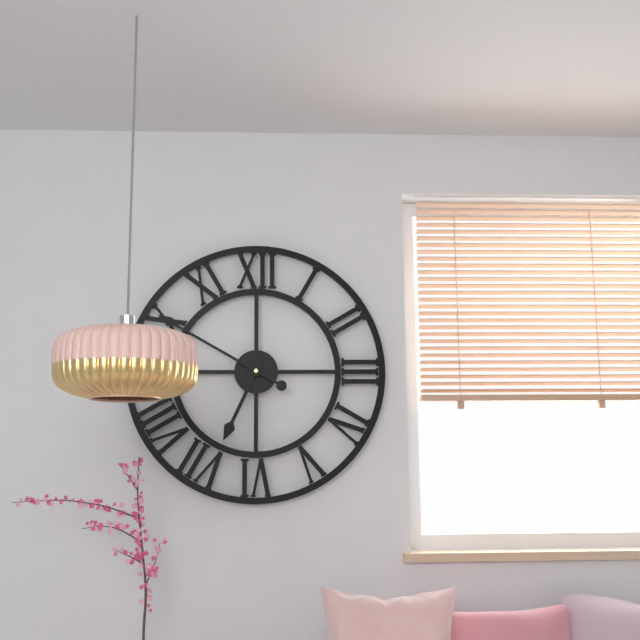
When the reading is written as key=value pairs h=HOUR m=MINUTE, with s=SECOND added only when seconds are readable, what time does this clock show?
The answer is h=6 m=50
